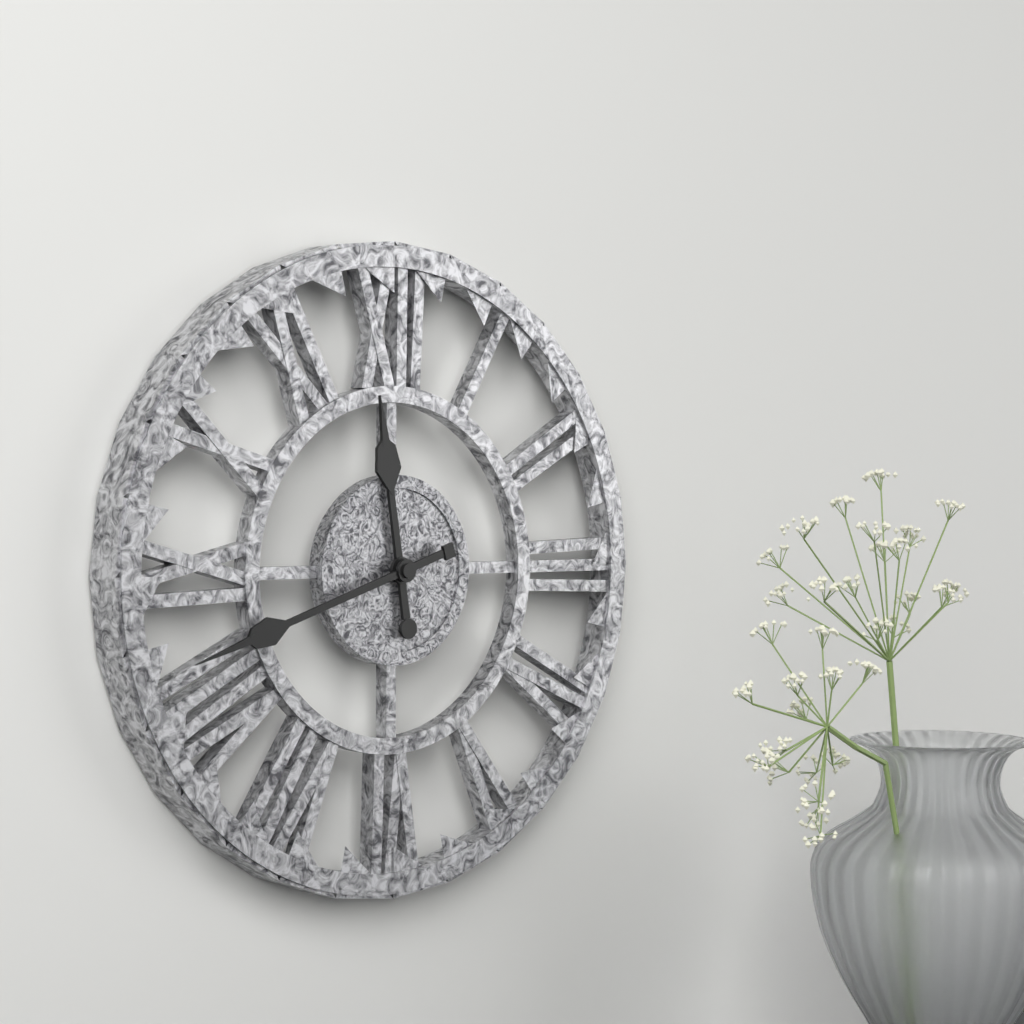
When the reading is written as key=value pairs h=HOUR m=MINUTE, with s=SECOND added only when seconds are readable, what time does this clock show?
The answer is h=11 m=42
